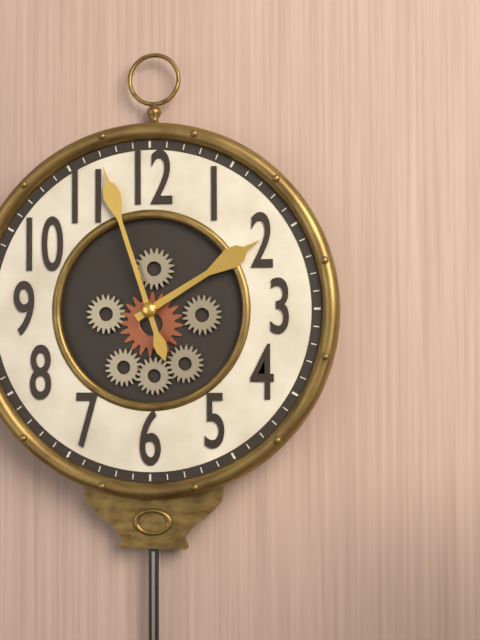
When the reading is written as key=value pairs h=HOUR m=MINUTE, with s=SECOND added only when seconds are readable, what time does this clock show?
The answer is h=1 m=57
